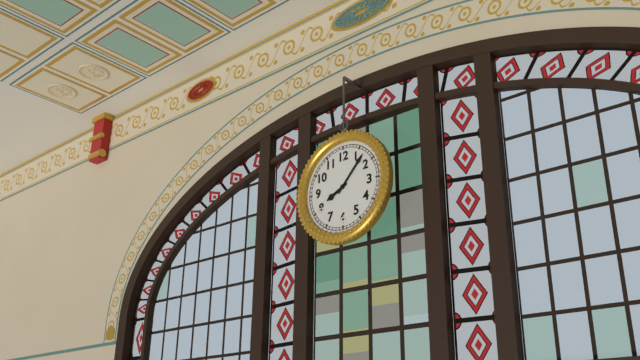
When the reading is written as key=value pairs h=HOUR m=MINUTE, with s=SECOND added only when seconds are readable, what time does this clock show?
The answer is h=8 m=7
